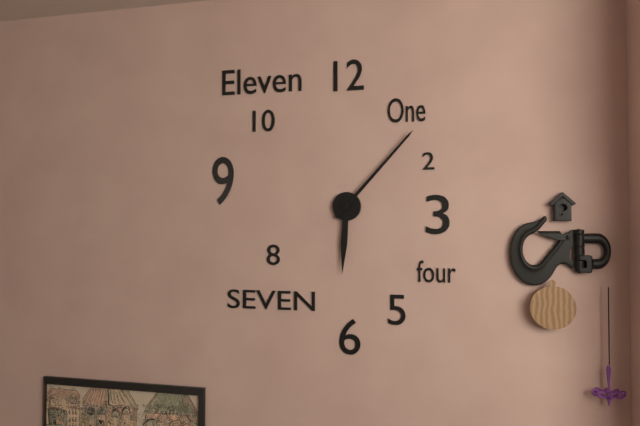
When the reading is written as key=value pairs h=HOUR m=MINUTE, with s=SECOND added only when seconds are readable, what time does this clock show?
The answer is h=6 m=7
